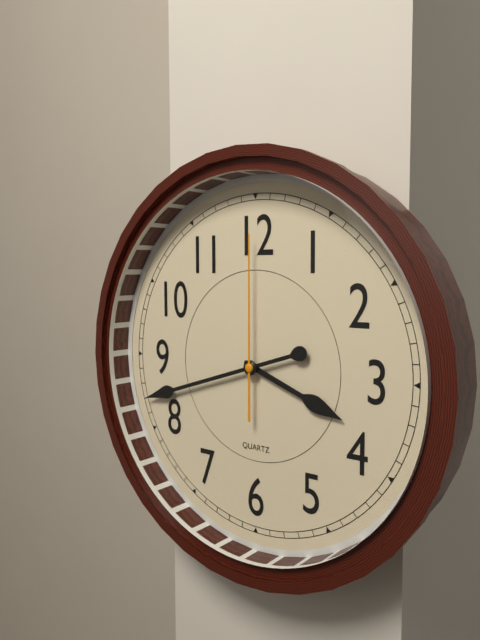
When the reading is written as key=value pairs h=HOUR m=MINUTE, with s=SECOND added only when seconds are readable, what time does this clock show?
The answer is h=3 m=42 s=0
